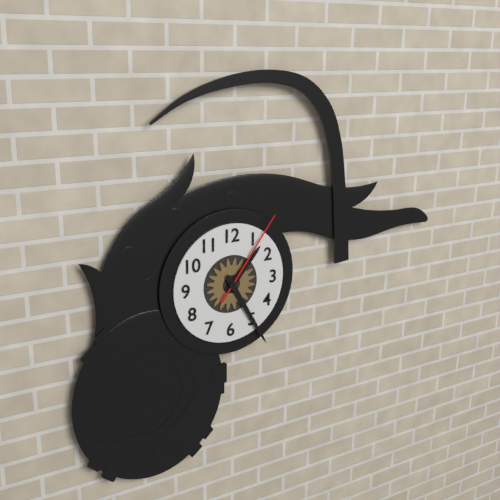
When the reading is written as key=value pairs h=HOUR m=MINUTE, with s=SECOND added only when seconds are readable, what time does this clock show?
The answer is h=1 m=25 s=6
